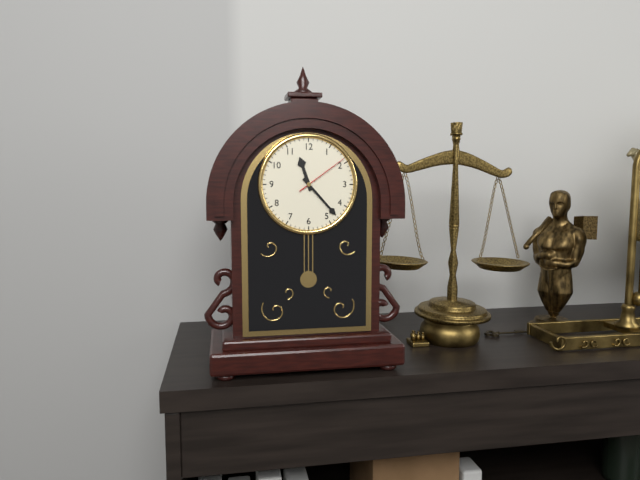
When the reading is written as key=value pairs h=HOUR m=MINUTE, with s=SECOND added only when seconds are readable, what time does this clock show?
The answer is h=11 m=23 s=9
